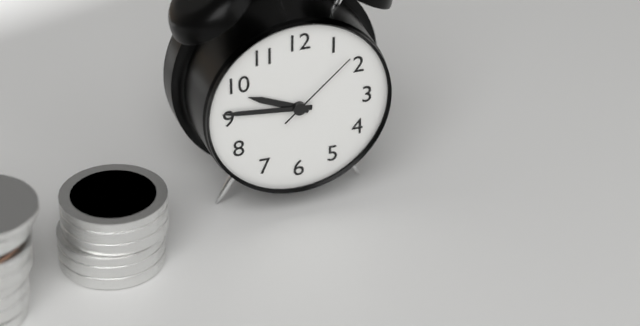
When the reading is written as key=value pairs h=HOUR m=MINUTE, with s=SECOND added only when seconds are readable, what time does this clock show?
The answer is h=9 m=46 s=8
